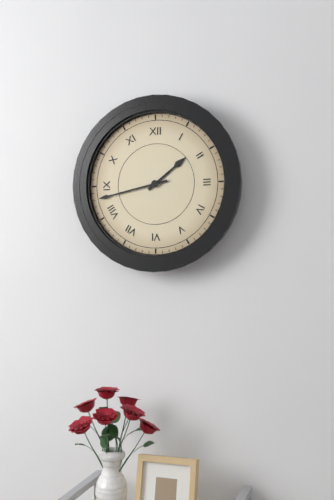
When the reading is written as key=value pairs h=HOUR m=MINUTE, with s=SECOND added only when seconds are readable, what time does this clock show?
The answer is h=1 m=43
